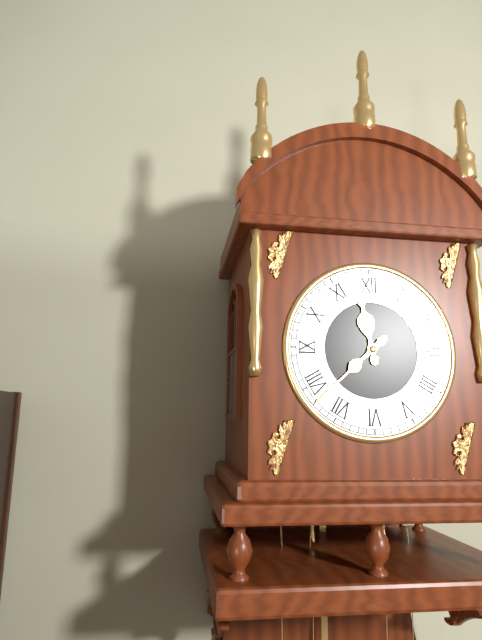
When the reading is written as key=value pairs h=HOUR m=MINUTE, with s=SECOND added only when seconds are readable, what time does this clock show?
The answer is h=11 m=38
